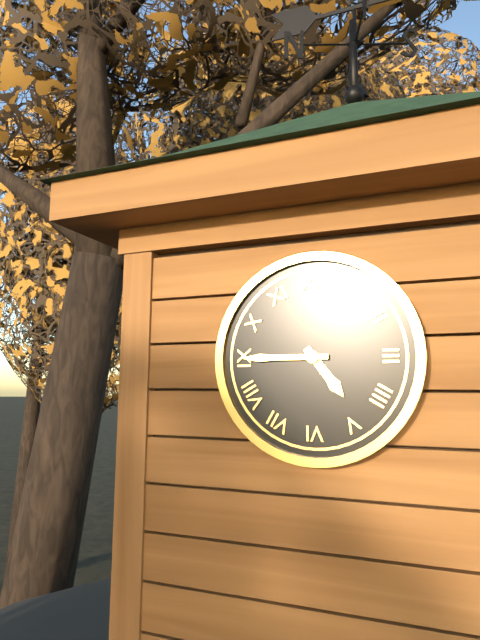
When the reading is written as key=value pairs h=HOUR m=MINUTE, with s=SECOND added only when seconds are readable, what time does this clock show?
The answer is h=4 m=45
